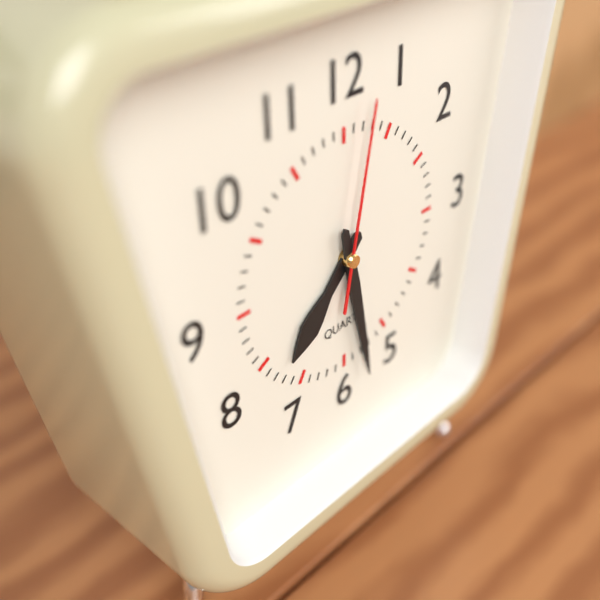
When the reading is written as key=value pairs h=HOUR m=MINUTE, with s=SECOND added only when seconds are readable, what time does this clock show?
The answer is h=7 m=28 s=2
